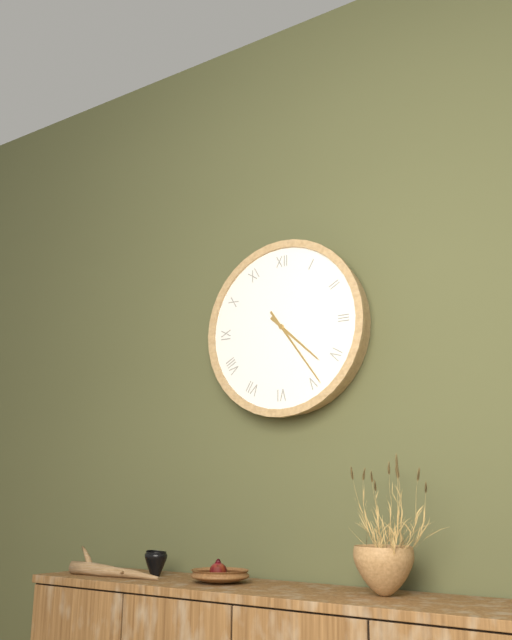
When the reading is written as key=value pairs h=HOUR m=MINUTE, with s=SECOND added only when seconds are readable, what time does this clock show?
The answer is h=4 m=24
